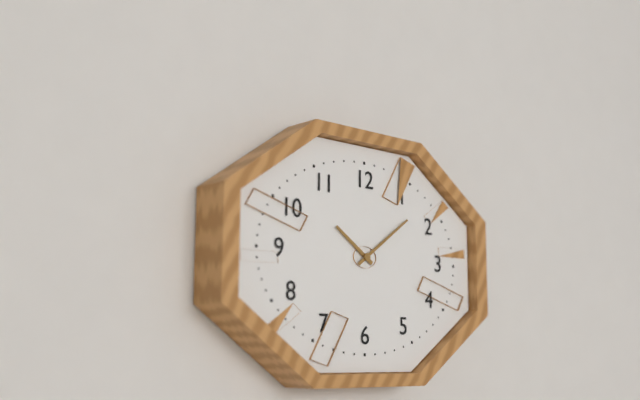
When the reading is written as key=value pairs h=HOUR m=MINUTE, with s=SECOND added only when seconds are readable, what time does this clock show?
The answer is h=10 m=9
